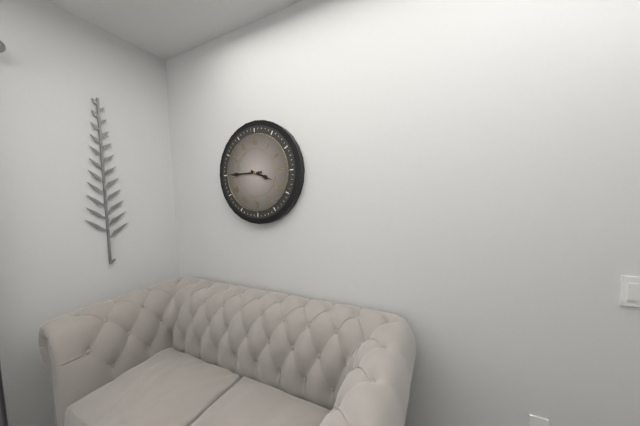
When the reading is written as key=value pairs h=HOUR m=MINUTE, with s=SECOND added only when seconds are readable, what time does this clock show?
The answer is h=3 m=45
